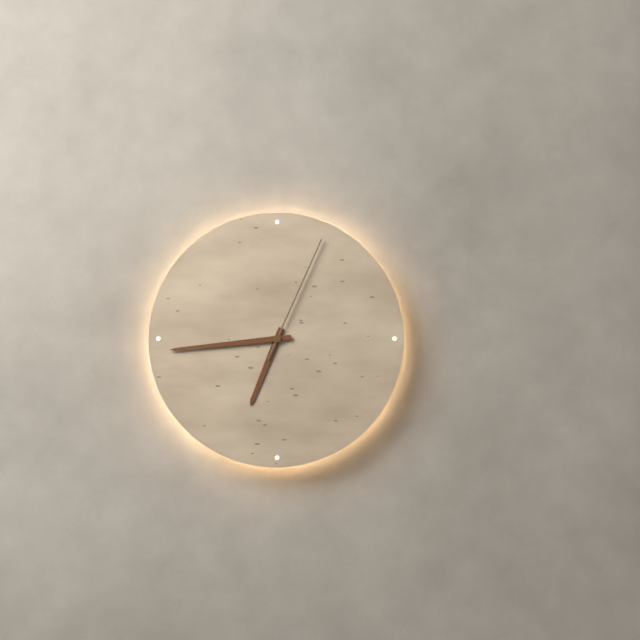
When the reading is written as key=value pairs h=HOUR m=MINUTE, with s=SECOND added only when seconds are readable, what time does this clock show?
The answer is h=6 m=44 s=4
